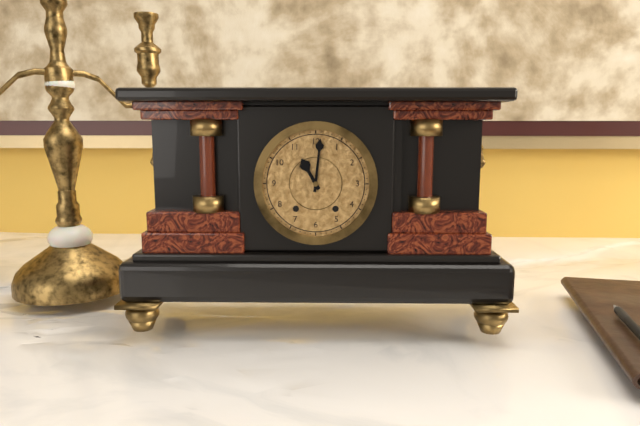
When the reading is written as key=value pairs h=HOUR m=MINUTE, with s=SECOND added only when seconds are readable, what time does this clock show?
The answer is h=11 m=1
